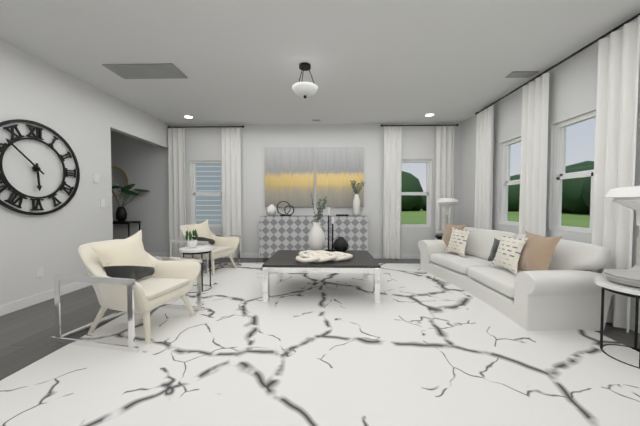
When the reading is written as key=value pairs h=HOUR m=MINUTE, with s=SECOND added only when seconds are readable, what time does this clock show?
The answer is h=5 m=52
